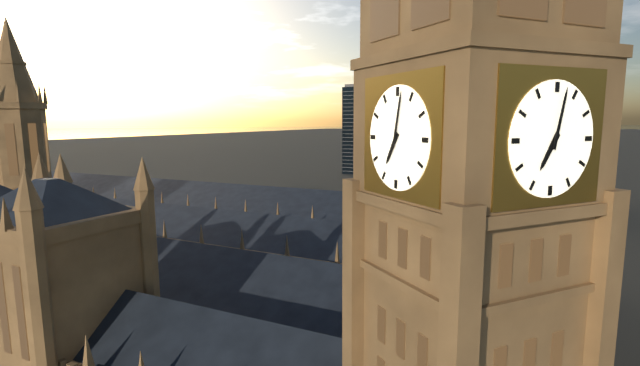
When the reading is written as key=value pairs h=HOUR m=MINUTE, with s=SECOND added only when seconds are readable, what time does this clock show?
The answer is h=7 m=2
